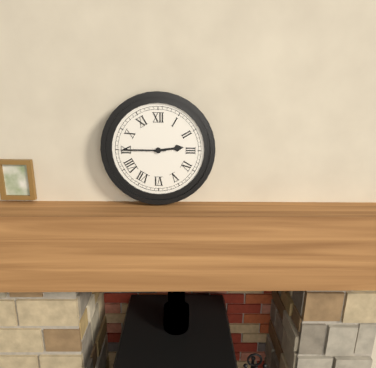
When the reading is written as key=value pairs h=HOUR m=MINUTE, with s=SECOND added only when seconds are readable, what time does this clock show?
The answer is h=2 m=45
